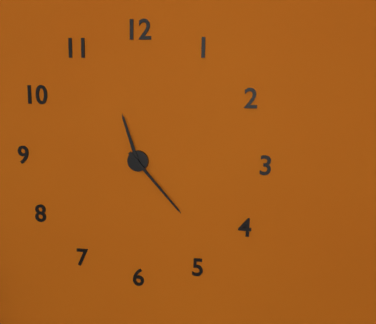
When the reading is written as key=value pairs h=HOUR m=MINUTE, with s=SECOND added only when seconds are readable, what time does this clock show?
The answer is h=11 m=23
